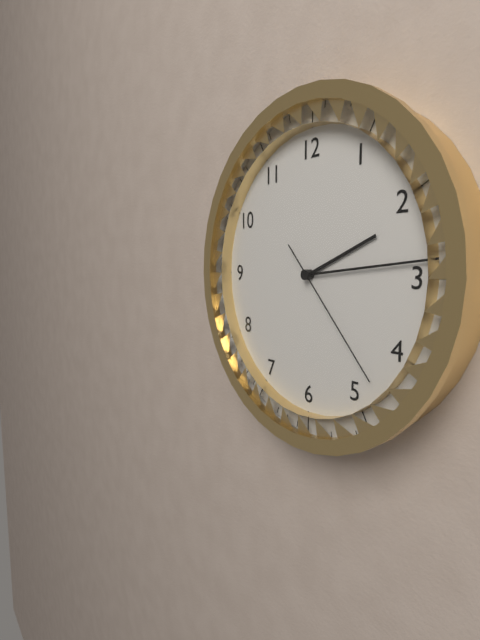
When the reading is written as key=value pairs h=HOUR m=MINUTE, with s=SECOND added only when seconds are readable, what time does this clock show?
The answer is h=2 m=14 s=23
